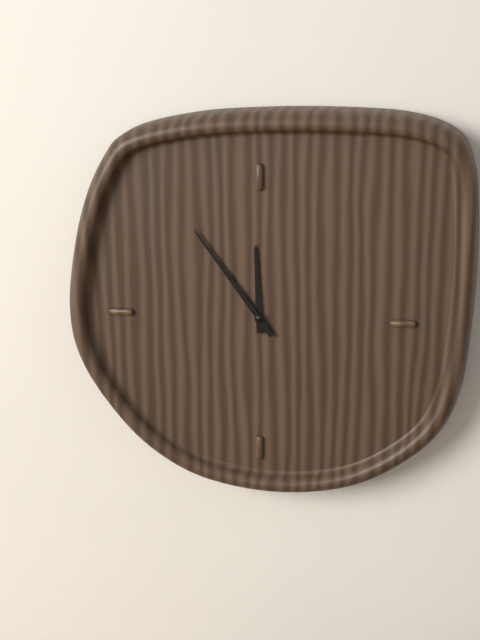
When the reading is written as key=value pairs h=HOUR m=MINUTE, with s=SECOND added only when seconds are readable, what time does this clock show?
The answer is h=11 m=54
